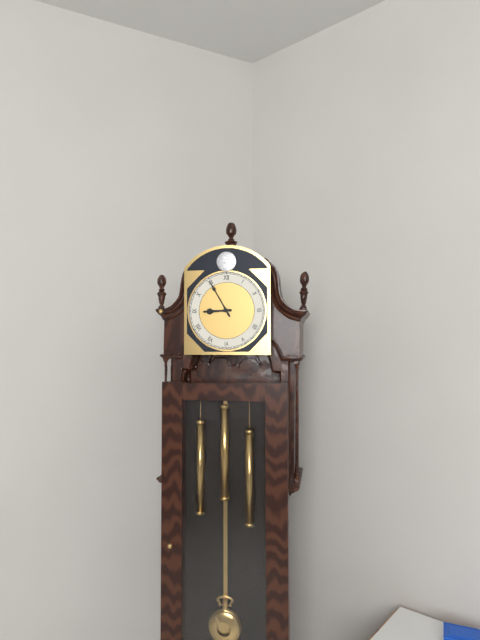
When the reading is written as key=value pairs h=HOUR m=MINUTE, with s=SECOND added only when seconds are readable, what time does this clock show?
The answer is h=8 m=55
